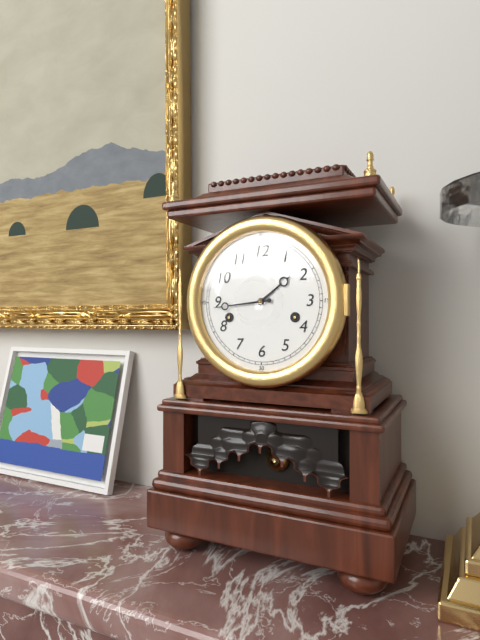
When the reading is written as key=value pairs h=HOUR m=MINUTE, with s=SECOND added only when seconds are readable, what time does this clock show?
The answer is h=1 m=44
